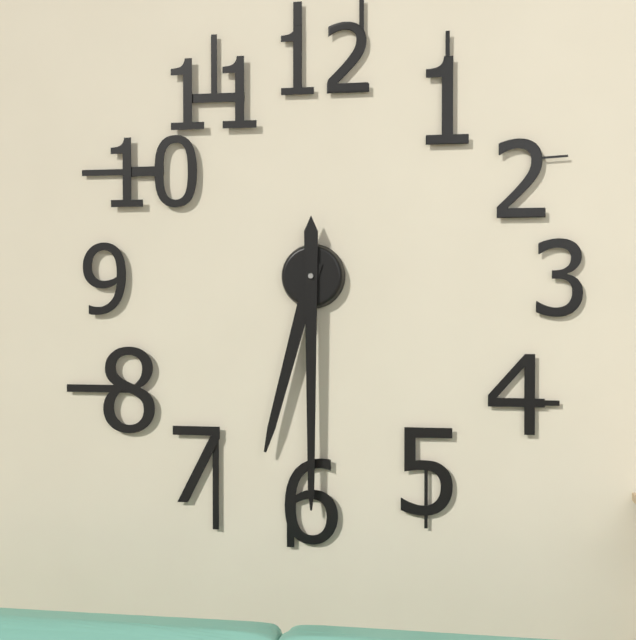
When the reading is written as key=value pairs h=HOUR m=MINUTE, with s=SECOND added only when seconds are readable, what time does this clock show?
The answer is h=6 m=30
